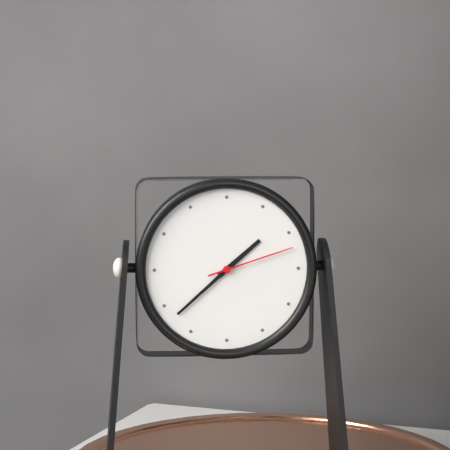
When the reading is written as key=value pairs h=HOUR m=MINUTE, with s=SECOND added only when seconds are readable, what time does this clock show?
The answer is h=1 m=38 s=12
